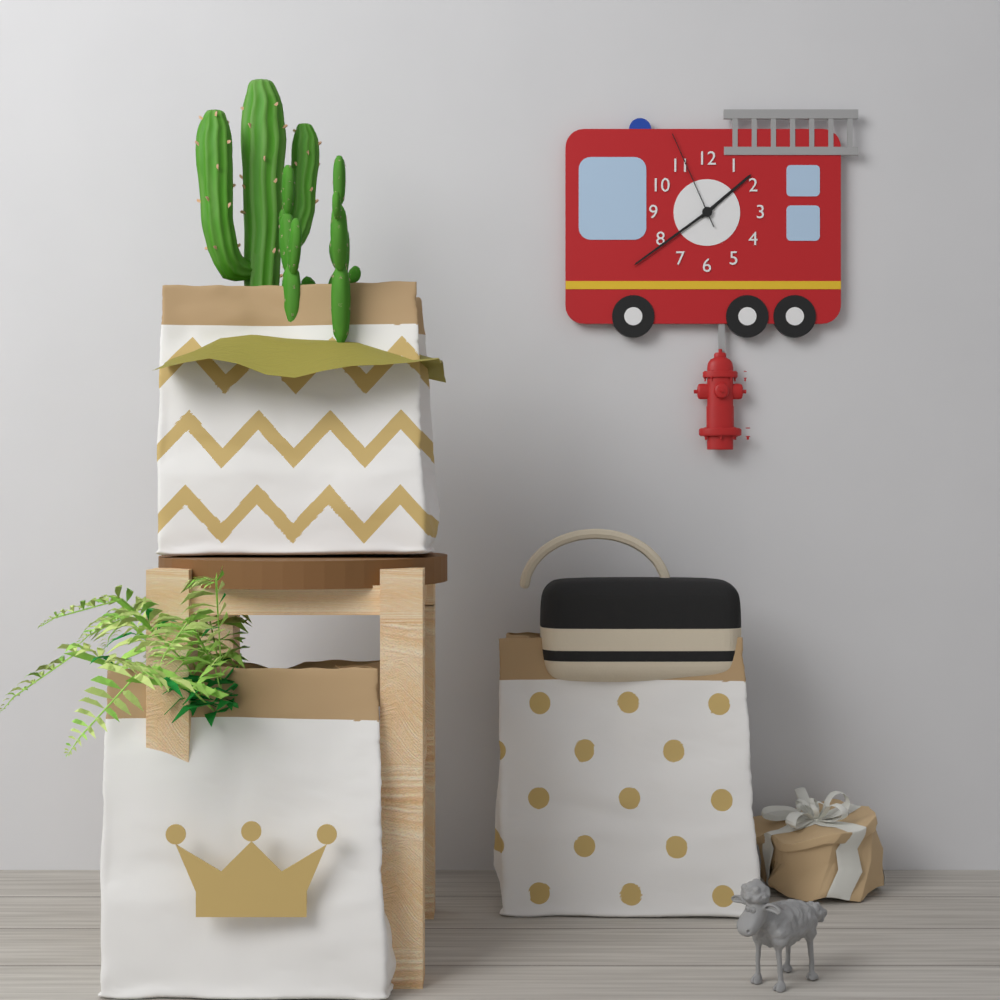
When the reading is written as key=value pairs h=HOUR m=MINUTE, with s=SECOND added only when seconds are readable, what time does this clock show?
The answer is h=1 m=39 s=56
